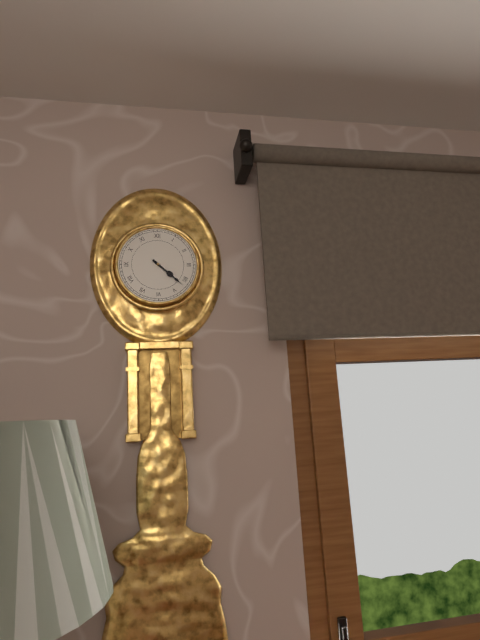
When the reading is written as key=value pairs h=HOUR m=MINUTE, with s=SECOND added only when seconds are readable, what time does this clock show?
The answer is h=4 m=22
